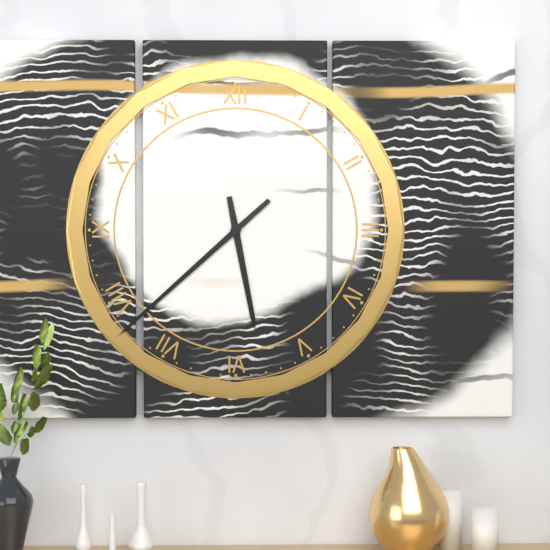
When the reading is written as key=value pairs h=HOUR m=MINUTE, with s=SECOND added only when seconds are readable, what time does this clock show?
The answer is h=5 m=38
